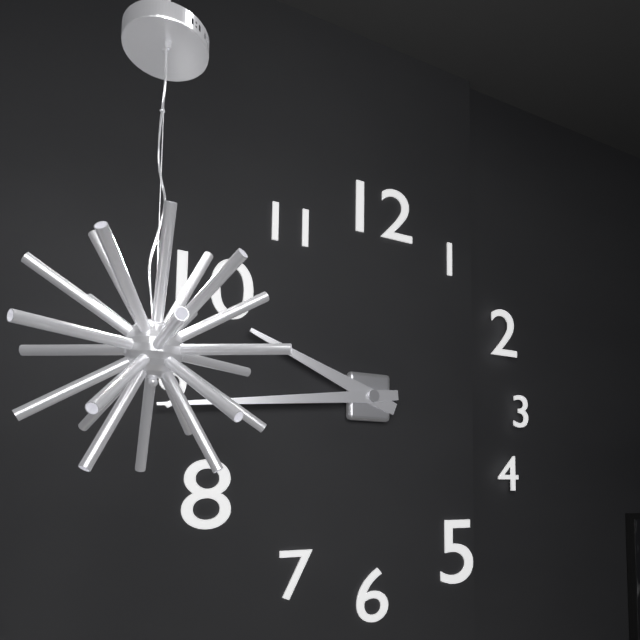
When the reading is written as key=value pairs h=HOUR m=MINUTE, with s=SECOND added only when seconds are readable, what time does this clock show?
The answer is h=9 m=44
